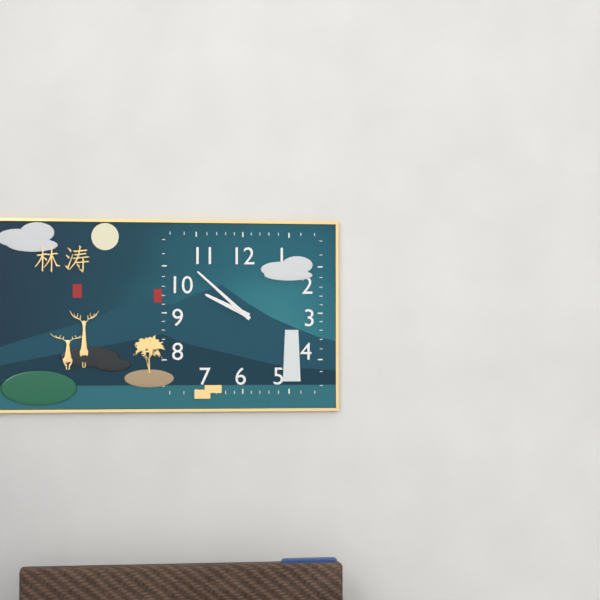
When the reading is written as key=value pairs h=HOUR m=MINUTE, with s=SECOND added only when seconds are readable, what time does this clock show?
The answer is h=9 m=52
